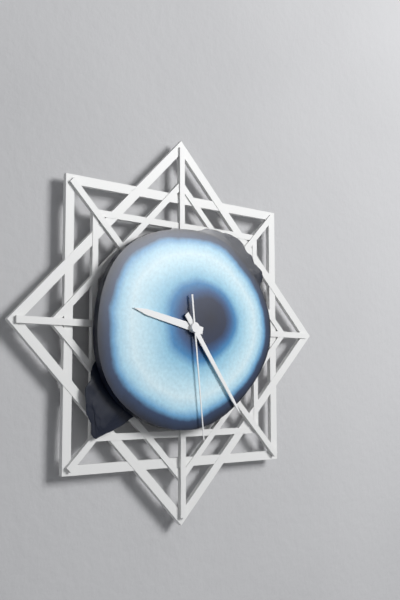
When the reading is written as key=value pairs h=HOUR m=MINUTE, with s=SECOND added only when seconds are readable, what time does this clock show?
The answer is h=9 m=24 s=29
